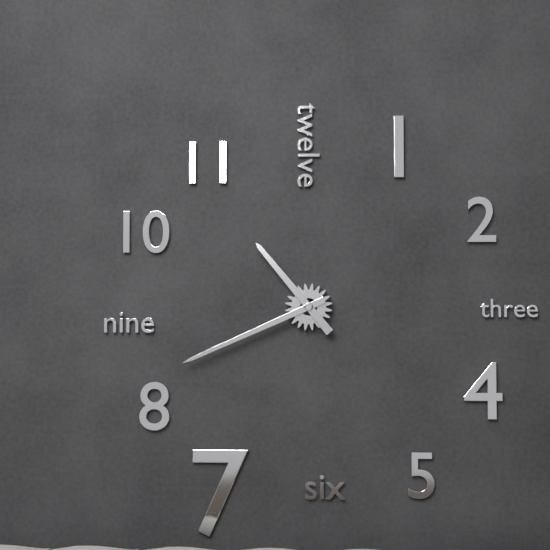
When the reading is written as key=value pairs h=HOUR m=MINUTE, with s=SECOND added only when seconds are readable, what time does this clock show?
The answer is h=10 m=41
